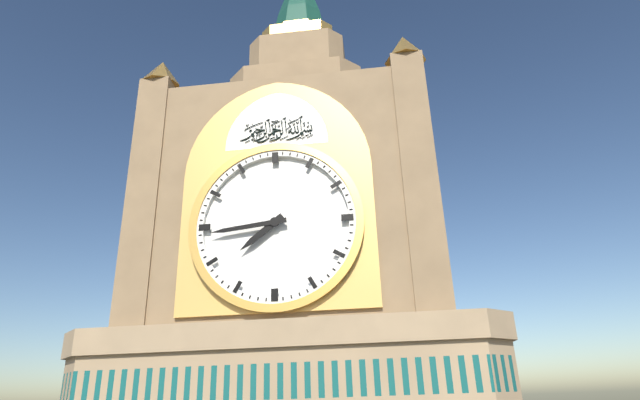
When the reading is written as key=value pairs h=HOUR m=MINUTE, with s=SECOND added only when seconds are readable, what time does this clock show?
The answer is h=7 m=44
